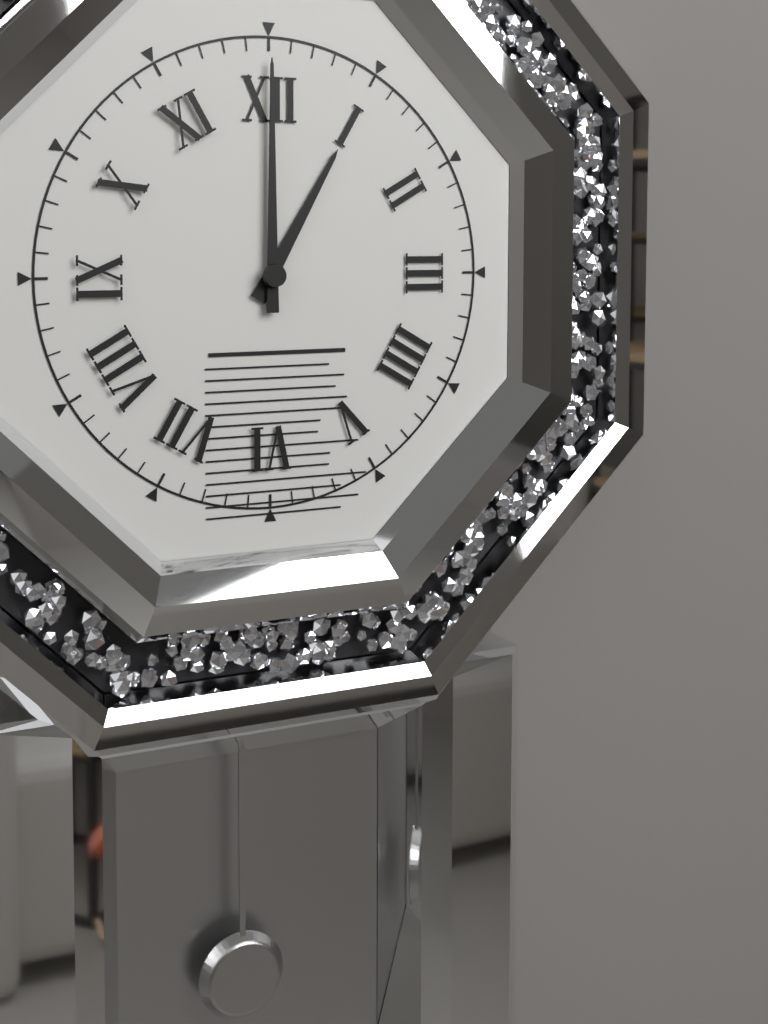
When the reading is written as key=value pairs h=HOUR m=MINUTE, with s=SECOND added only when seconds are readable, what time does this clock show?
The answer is h=1 m=0
